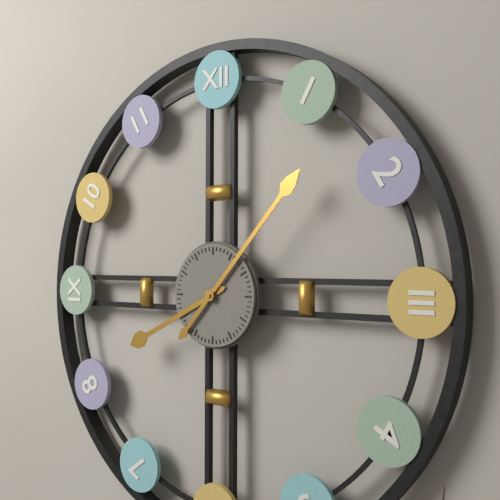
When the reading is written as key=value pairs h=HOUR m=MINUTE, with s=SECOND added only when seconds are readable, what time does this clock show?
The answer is h=8 m=7
